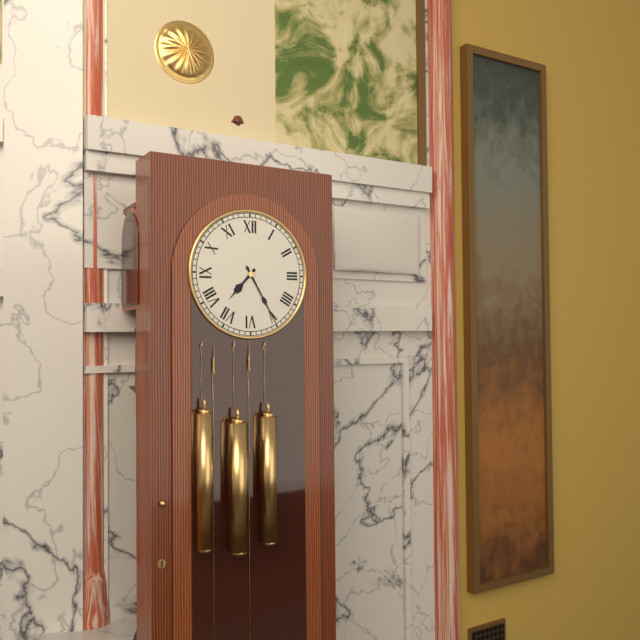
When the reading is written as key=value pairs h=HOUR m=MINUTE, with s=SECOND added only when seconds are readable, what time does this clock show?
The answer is h=7 m=25
